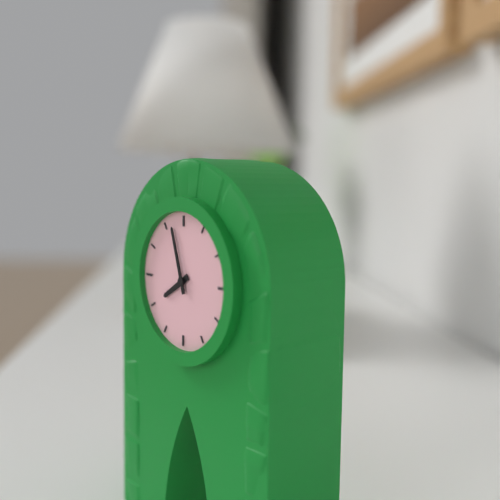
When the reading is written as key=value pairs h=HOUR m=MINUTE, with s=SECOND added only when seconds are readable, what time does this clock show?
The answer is h=7 m=57
